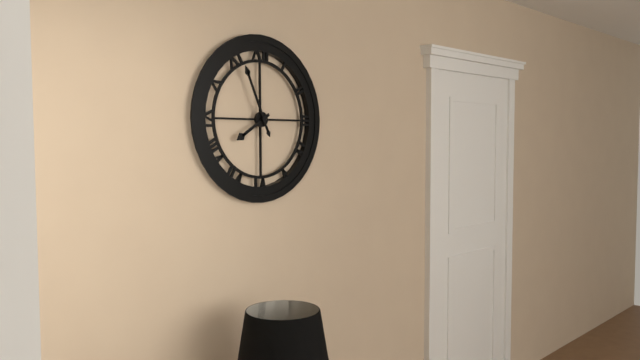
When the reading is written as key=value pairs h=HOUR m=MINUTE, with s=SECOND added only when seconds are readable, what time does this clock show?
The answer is h=7 m=56
